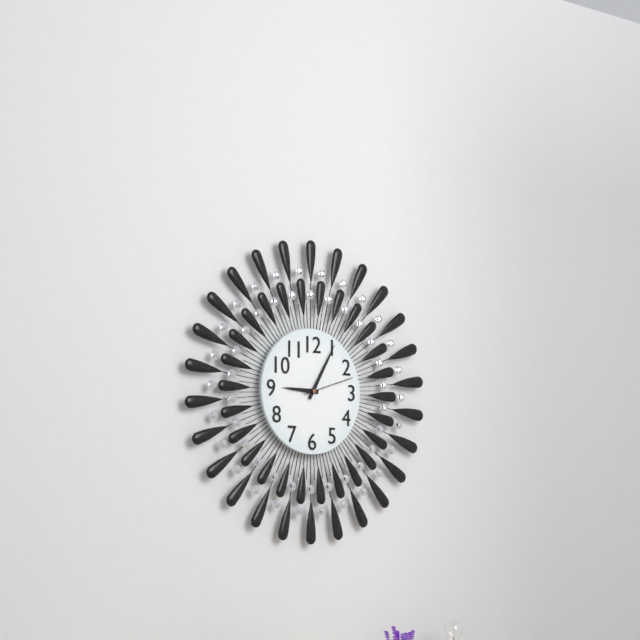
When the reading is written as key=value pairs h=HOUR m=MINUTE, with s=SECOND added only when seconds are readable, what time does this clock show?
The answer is h=9 m=5 s=12
